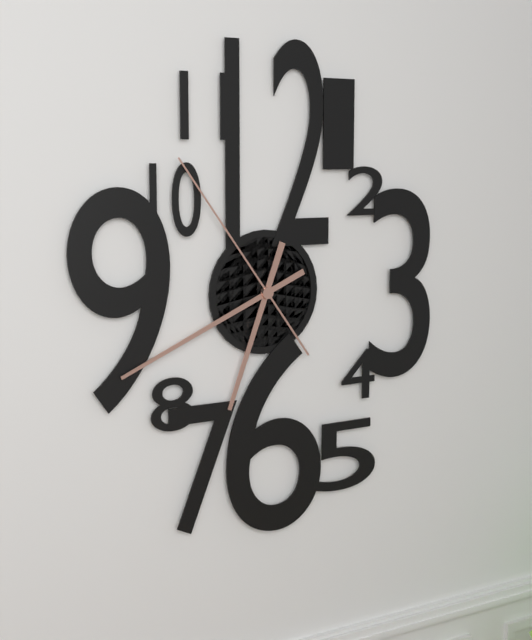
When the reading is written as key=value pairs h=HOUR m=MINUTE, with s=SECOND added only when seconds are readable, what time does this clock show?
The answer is h=6 m=41 s=54
